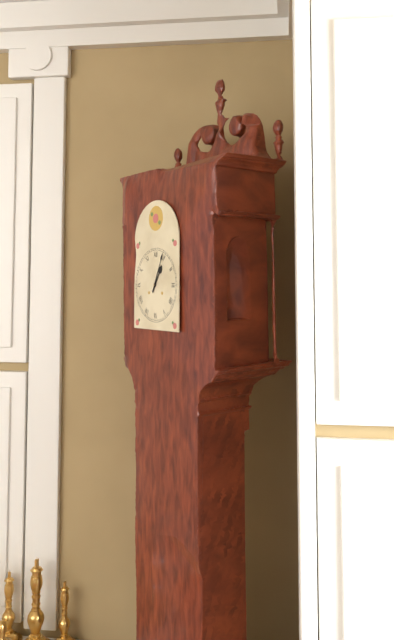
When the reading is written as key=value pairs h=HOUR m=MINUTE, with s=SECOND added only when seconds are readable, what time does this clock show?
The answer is h=1 m=4
